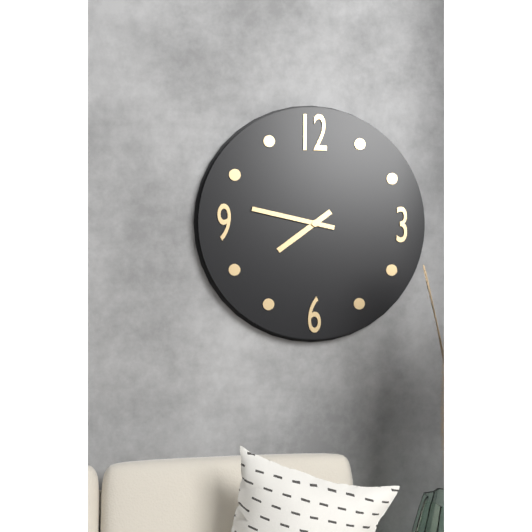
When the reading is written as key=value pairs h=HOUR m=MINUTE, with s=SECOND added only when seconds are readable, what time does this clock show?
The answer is h=7 m=47
